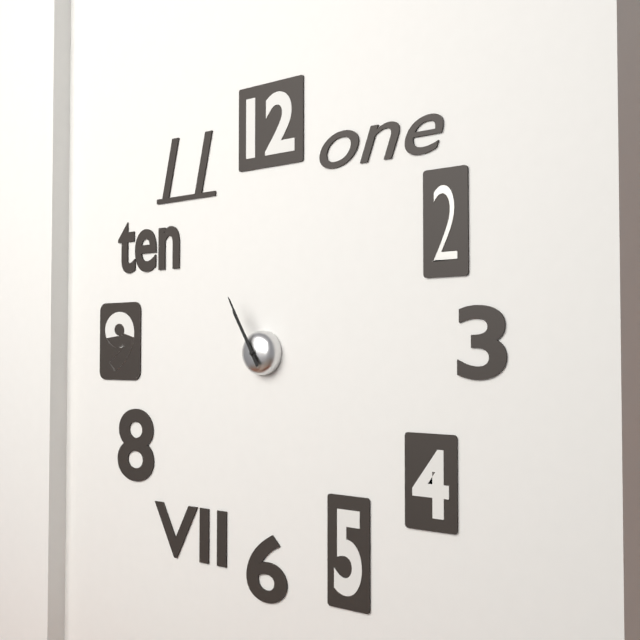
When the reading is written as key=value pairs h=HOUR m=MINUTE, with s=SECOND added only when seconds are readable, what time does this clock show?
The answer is h=10 m=55
